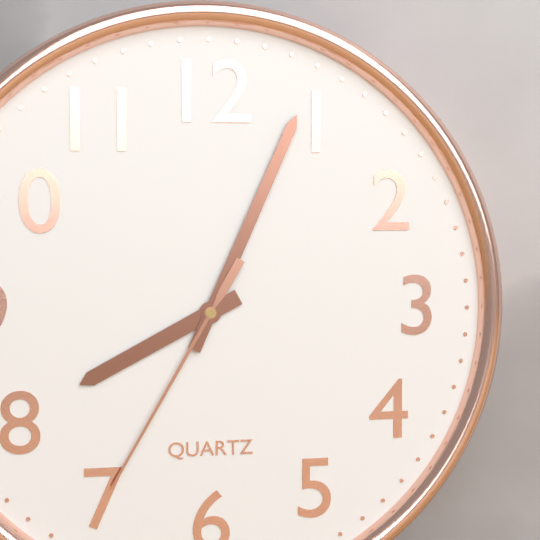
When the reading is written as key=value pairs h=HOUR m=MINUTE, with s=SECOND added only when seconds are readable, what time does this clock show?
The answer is h=8 m=4 s=35
